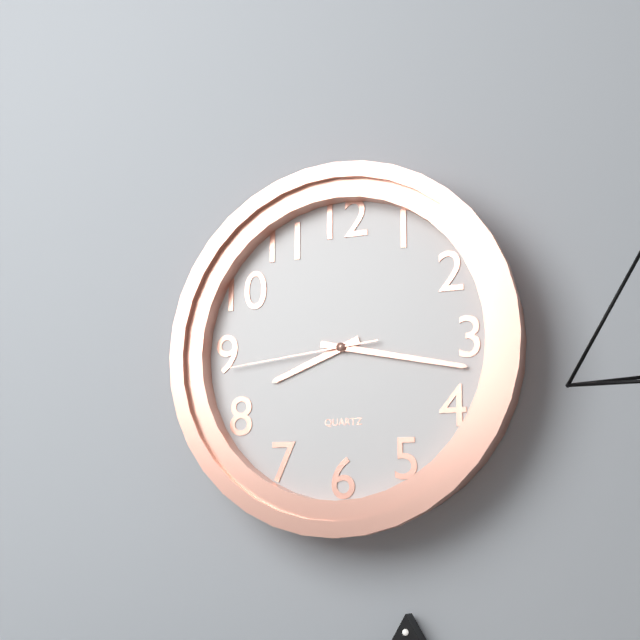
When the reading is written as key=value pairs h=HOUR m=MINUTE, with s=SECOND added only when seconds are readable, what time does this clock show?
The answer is h=8 m=17 s=44
